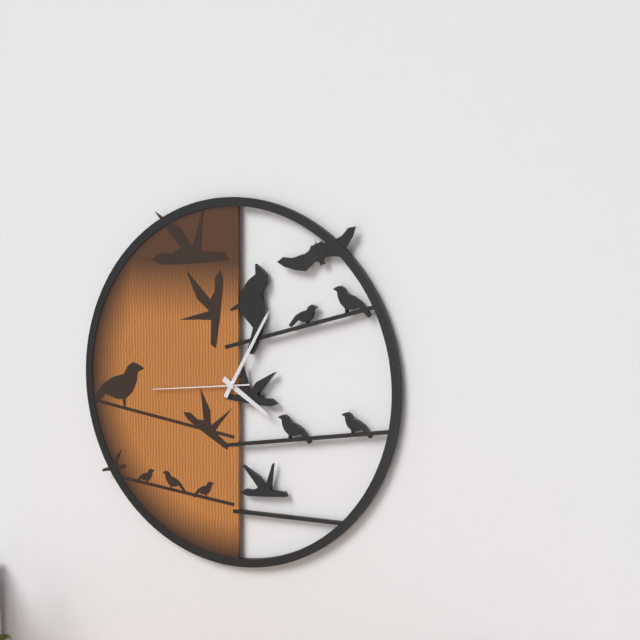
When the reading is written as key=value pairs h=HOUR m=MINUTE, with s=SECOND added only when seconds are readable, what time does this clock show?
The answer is h=4 m=5 s=44
